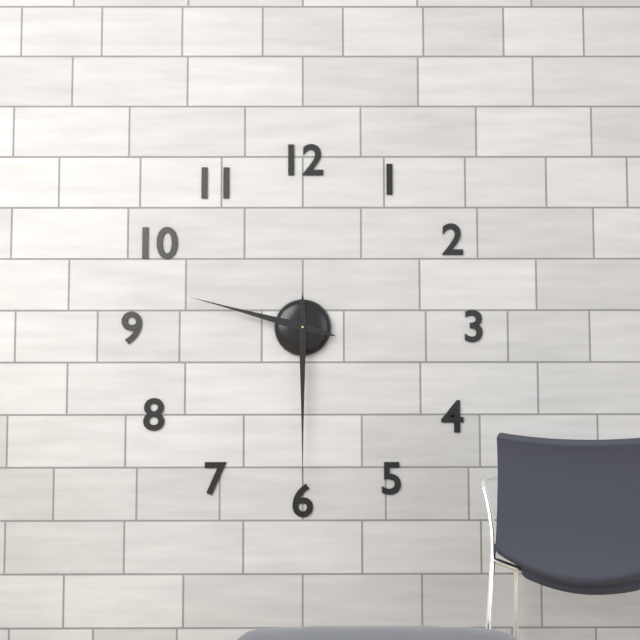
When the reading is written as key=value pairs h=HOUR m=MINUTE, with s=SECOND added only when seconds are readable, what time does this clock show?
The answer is h=9 m=30
